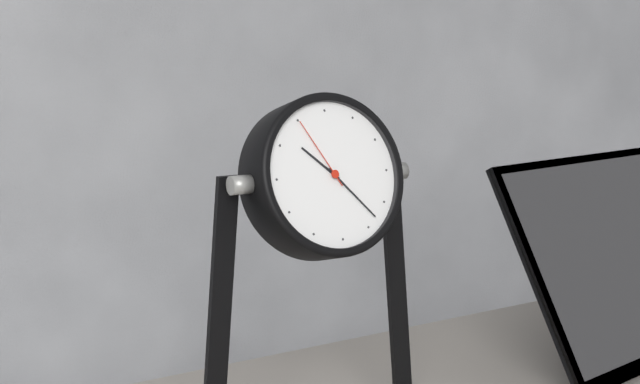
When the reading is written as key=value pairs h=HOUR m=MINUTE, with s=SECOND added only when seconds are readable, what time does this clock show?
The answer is h=10 m=23 s=55
